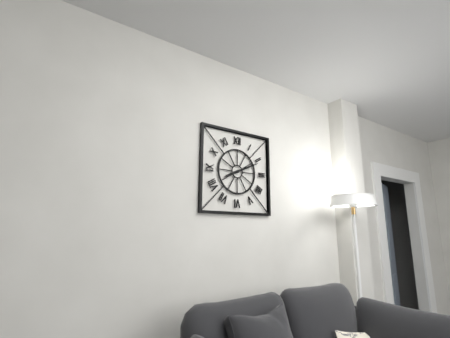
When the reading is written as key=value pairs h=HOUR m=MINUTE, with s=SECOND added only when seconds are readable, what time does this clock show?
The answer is h=8 m=11
